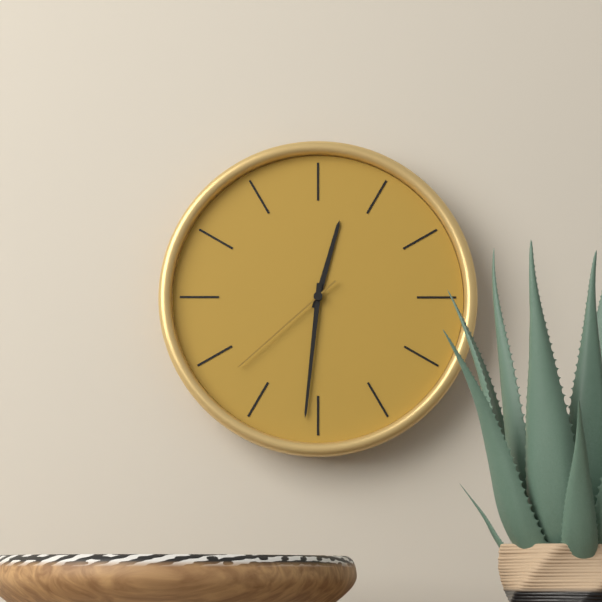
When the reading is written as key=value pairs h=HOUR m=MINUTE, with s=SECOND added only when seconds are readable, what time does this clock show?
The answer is h=12 m=31 s=38
